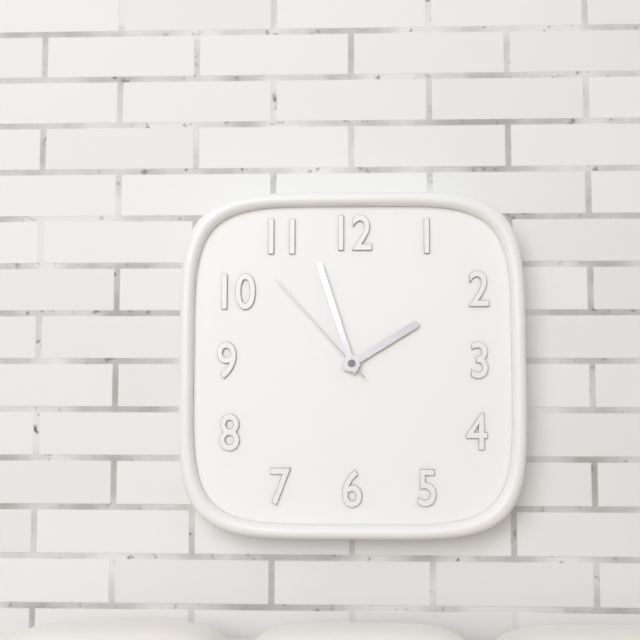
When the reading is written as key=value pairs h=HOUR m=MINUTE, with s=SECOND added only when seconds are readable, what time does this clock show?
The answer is h=1 m=57 s=53
